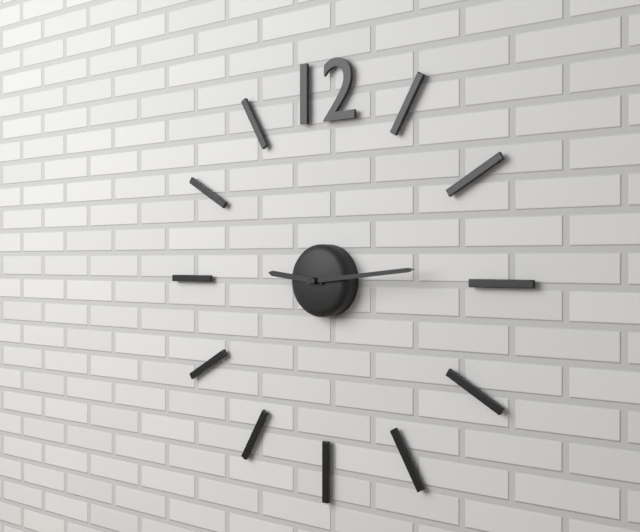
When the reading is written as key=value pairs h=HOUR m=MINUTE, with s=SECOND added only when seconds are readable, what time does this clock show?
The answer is h=9 m=14
